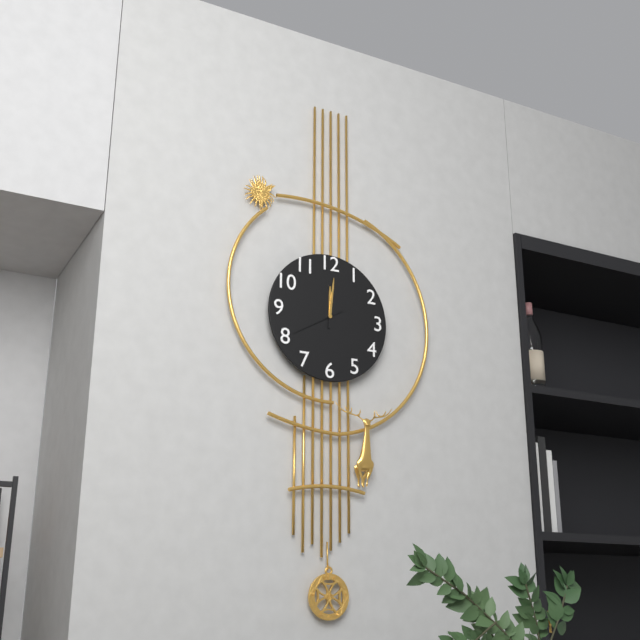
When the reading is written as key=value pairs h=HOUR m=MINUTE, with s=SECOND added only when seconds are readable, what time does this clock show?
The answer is h=12 m=1 s=40
